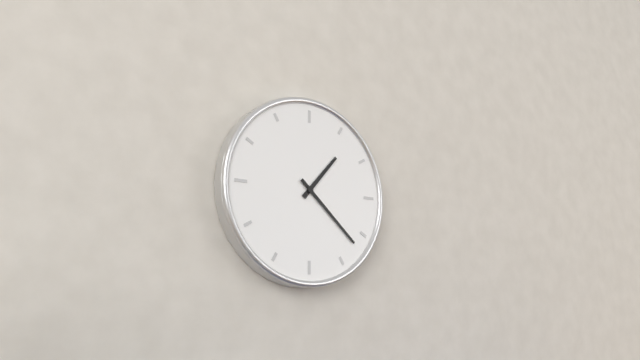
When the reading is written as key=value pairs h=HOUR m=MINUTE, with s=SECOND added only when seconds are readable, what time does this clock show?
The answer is h=1 m=22
